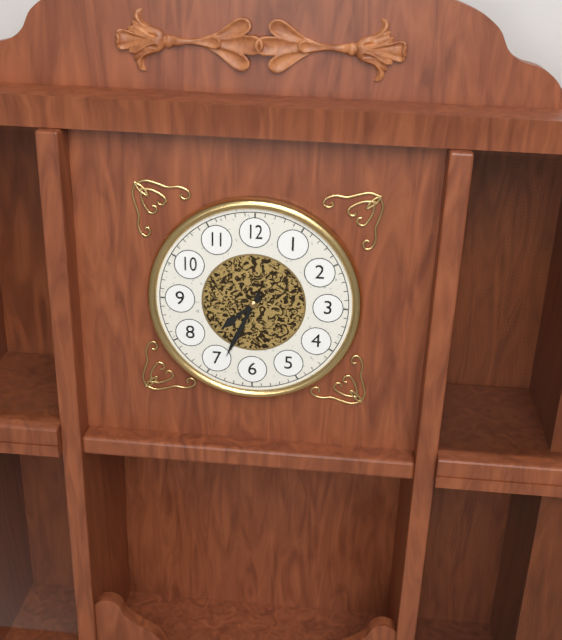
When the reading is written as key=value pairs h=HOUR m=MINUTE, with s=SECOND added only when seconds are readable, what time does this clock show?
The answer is h=7 m=34
